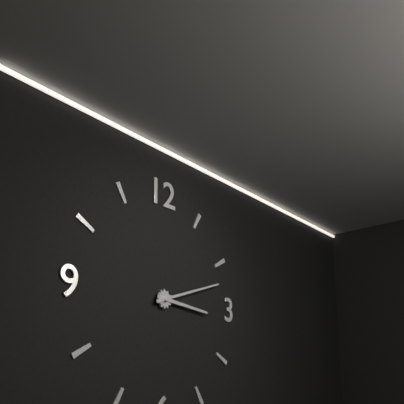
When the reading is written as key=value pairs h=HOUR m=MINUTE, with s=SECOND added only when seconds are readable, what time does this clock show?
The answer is h=3 m=12
